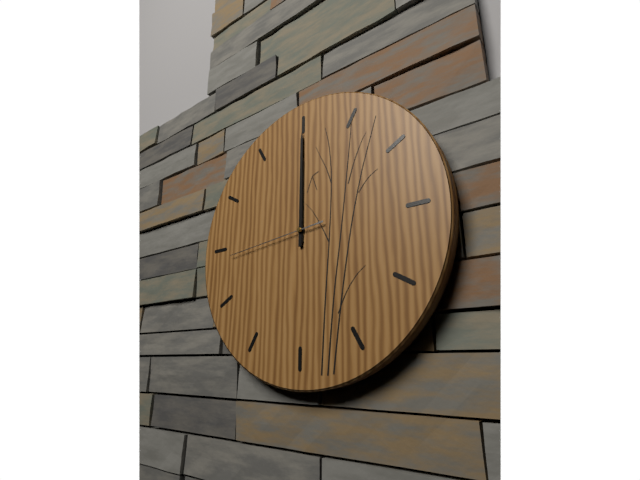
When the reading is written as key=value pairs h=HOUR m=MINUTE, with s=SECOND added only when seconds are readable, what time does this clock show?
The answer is h=12 m=0 s=44
